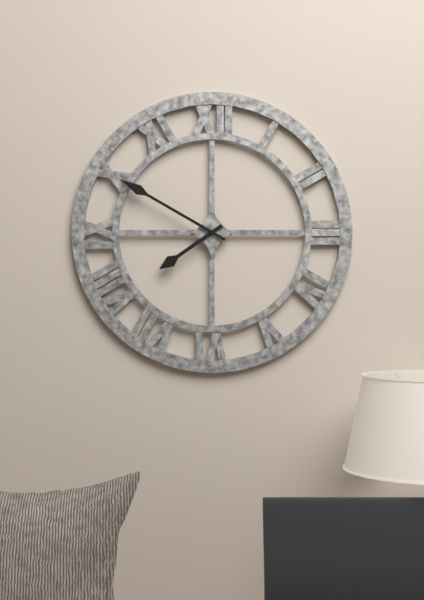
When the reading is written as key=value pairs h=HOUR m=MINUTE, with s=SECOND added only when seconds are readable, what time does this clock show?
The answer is h=7 m=50
